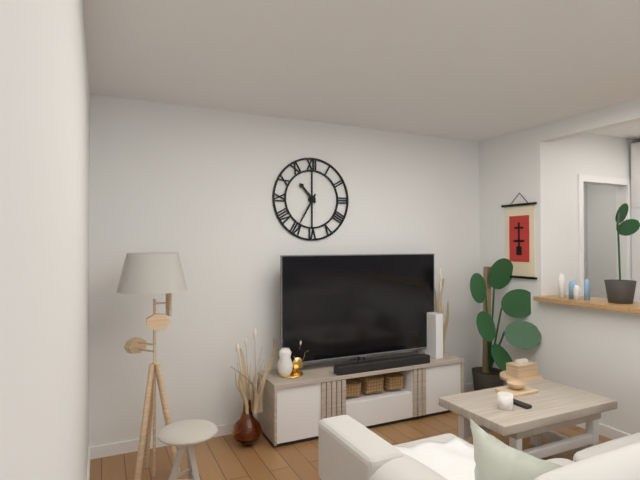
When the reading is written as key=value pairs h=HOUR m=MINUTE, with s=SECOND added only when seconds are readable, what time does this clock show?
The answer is h=10 m=35
